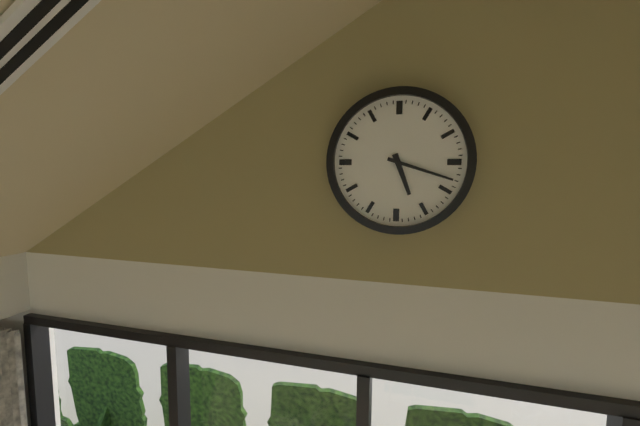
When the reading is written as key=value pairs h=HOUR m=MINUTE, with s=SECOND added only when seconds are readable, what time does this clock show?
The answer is h=5 m=18
